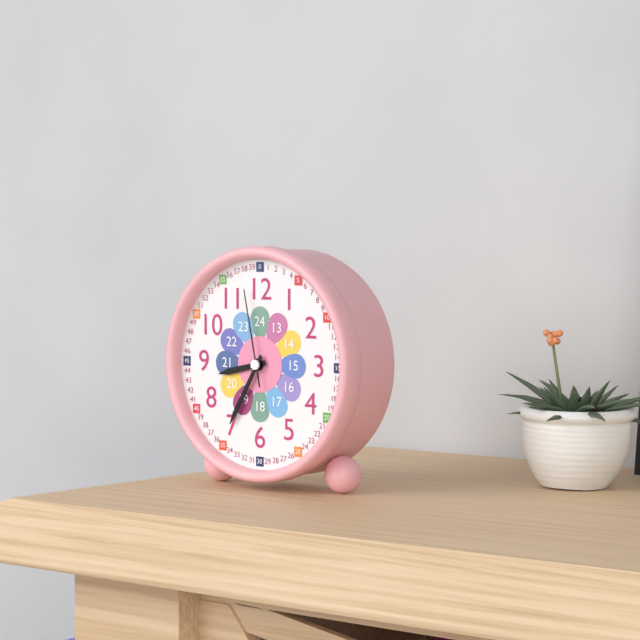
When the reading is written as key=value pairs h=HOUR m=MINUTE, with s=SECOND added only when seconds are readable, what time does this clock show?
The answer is h=8 m=35 s=58
